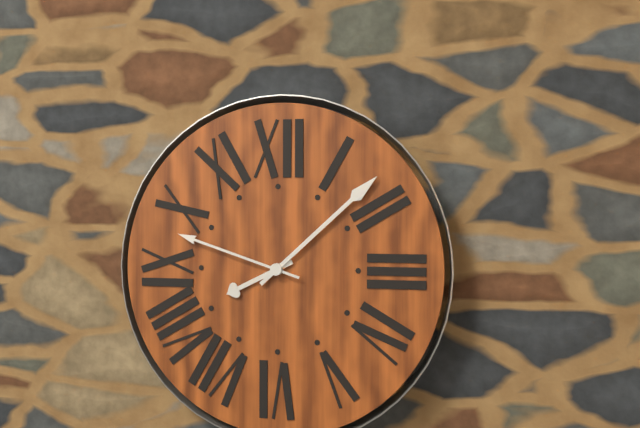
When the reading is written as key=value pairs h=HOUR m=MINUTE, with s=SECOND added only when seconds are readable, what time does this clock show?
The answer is h=8 m=8 s=48
